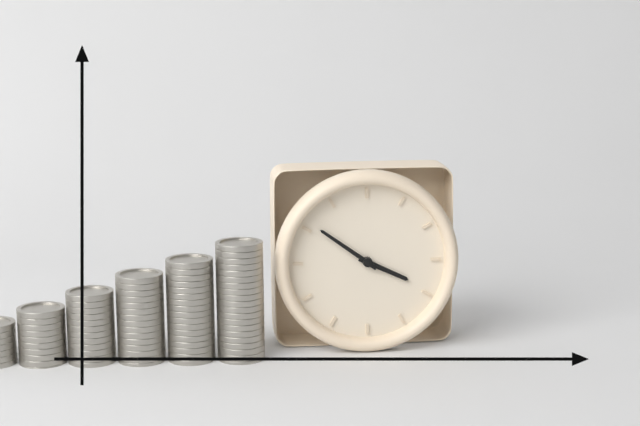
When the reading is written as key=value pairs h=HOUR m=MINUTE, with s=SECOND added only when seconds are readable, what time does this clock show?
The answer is h=3 m=51
